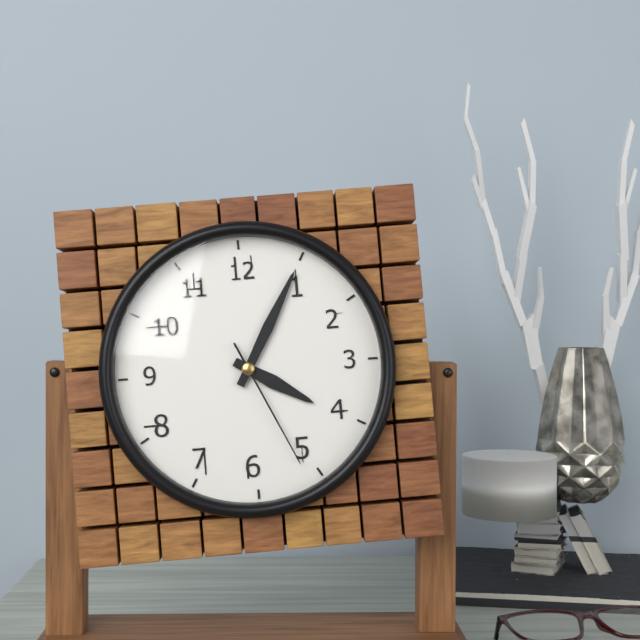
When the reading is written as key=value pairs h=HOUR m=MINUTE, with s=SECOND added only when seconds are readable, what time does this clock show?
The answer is h=4 m=5 s=26
